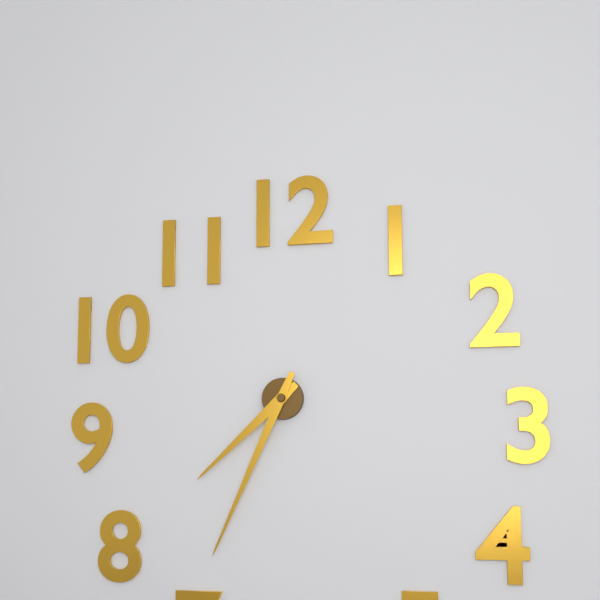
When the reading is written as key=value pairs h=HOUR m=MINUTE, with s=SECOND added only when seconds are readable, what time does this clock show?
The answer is h=7 m=34
